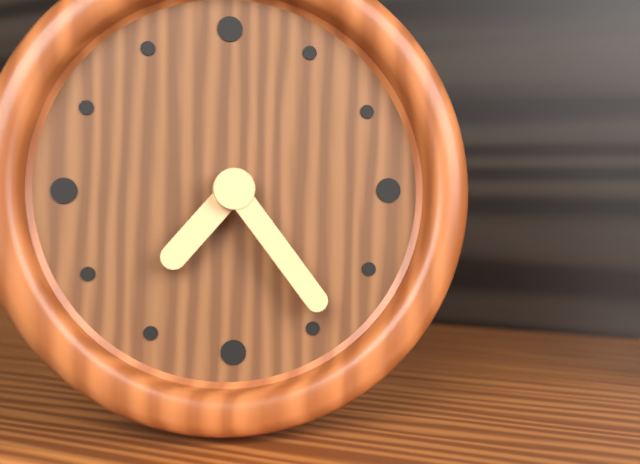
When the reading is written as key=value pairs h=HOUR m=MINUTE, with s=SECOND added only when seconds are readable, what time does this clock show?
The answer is h=7 m=24
